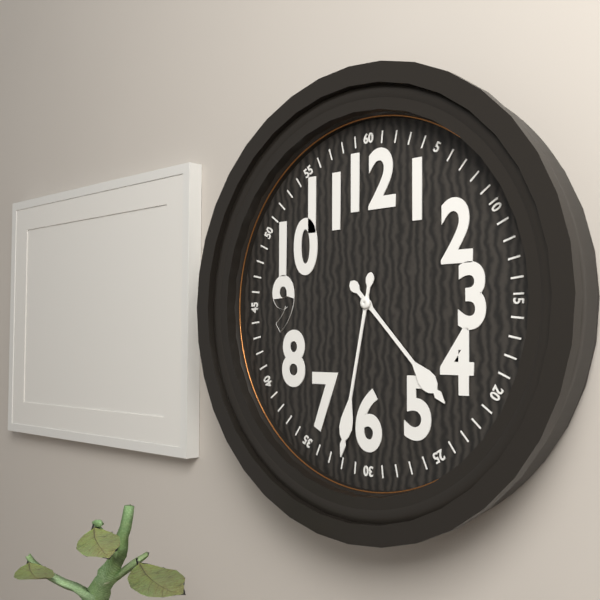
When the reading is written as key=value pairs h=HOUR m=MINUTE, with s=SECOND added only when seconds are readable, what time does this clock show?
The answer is h=4 m=32
